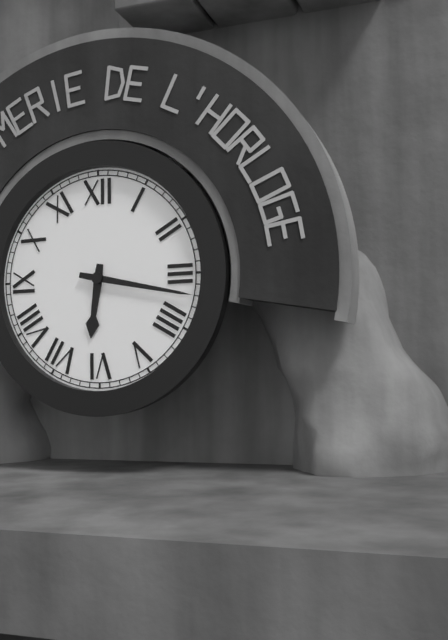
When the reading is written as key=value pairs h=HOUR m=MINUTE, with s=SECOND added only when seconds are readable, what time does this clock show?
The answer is h=6 m=17
